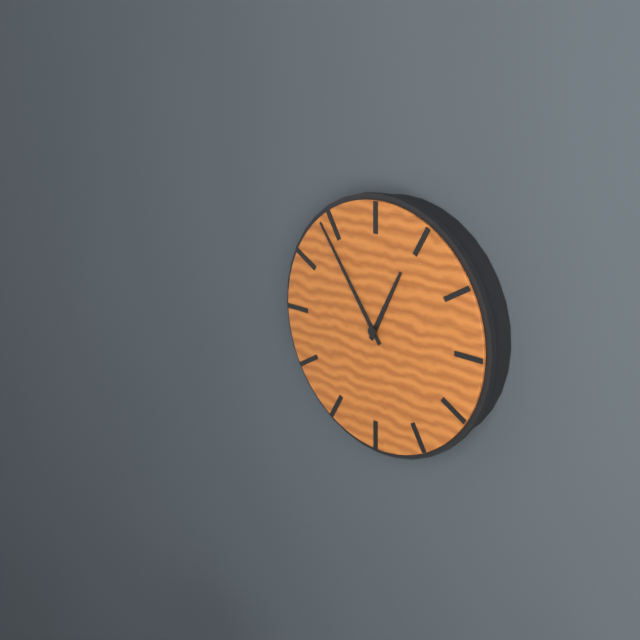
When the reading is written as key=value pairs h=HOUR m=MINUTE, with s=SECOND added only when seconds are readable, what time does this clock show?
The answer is h=12 m=54
